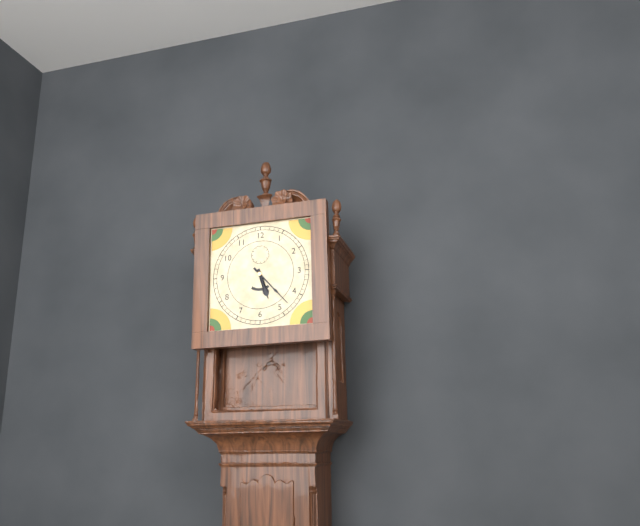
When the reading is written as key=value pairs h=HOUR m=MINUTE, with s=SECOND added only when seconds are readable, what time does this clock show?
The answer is h=5 m=23
